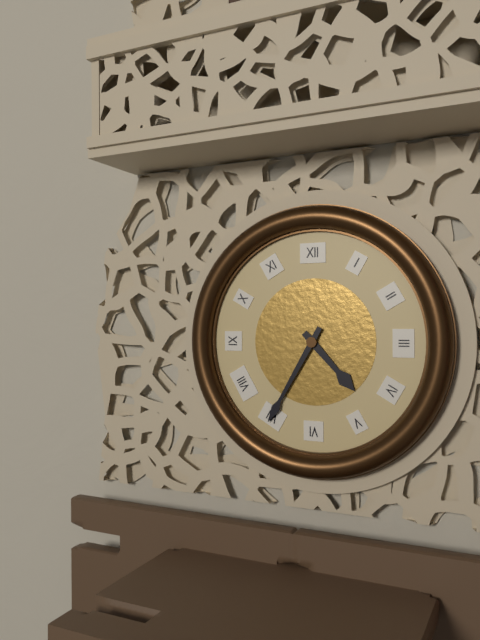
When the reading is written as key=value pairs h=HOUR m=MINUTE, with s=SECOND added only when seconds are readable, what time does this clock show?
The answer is h=4 m=35
